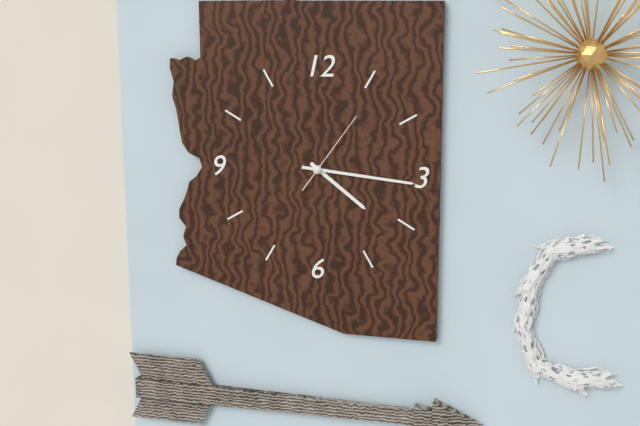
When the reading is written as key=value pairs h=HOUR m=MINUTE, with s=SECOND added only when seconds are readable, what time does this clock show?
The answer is h=4 m=16 s=6
